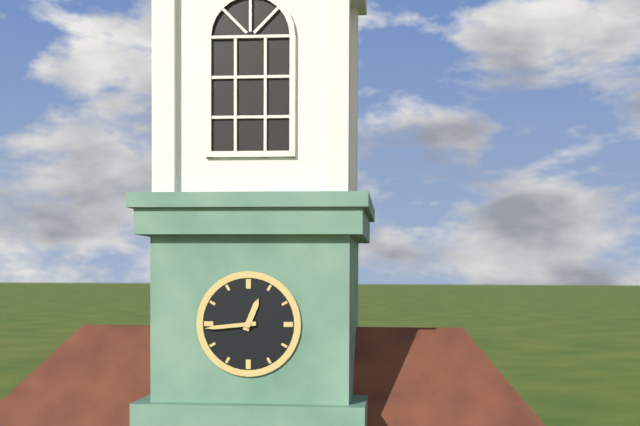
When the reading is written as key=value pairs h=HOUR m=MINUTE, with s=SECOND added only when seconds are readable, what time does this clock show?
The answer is h=12 m=44
